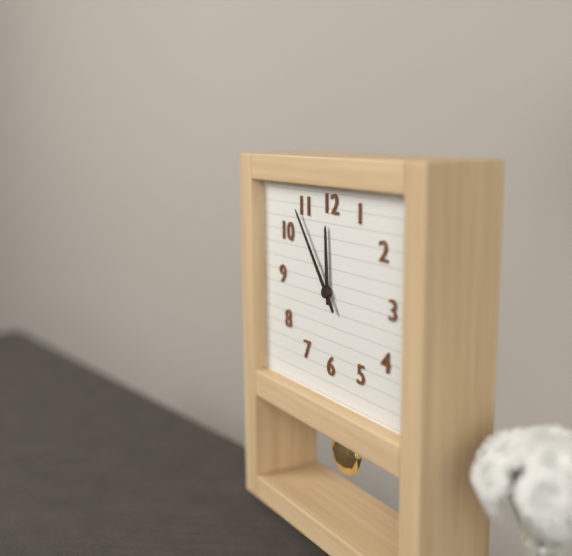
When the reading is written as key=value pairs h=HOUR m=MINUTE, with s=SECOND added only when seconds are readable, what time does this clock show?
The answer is h=11 m=54
